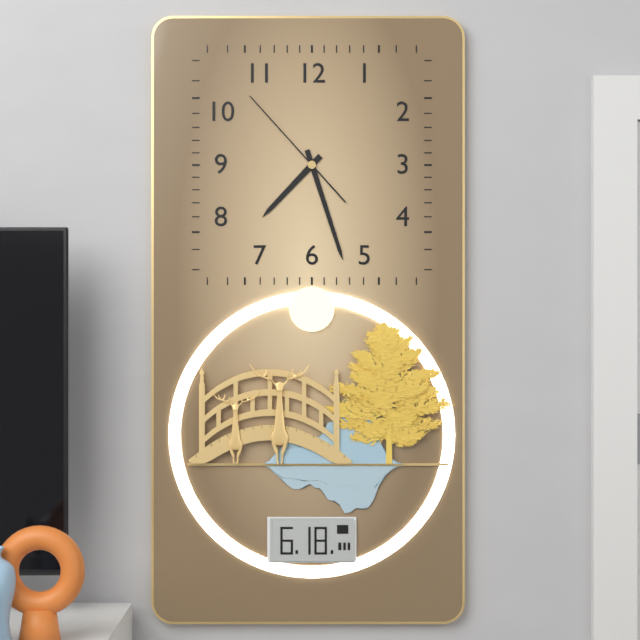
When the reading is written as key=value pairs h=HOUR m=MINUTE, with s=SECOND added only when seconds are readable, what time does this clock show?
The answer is h=7 m=27 s=53
